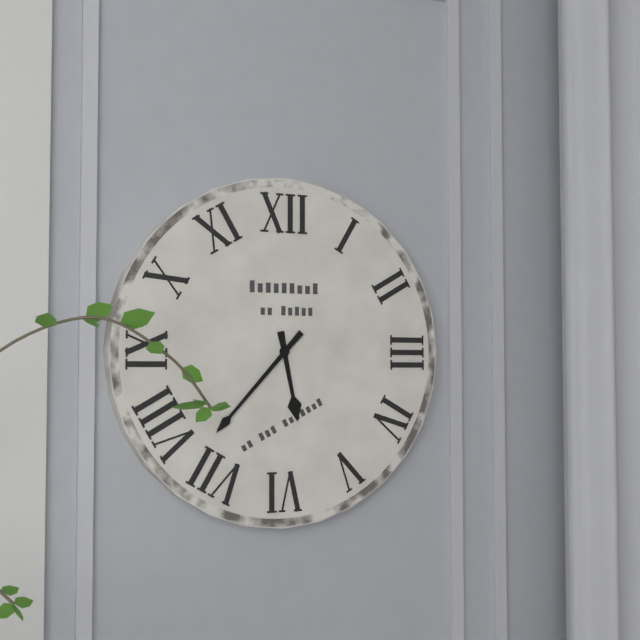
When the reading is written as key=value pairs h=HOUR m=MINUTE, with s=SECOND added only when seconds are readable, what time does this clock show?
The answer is h=5 m=37
